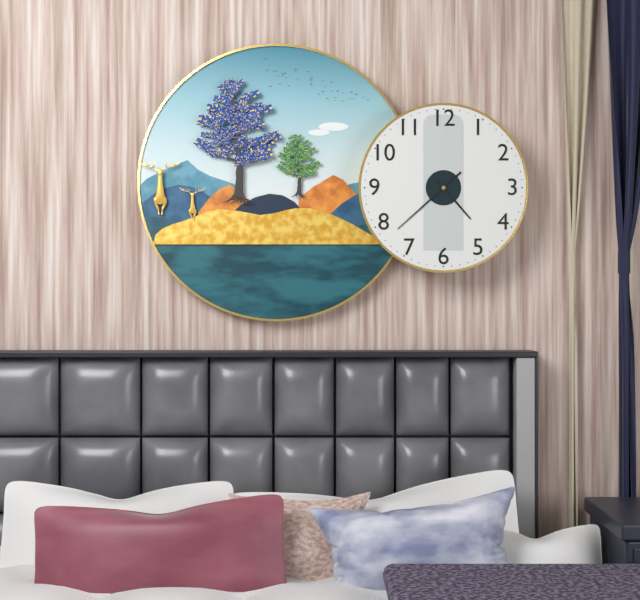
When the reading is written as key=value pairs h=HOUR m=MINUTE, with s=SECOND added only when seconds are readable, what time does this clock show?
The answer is h=4 m=38
